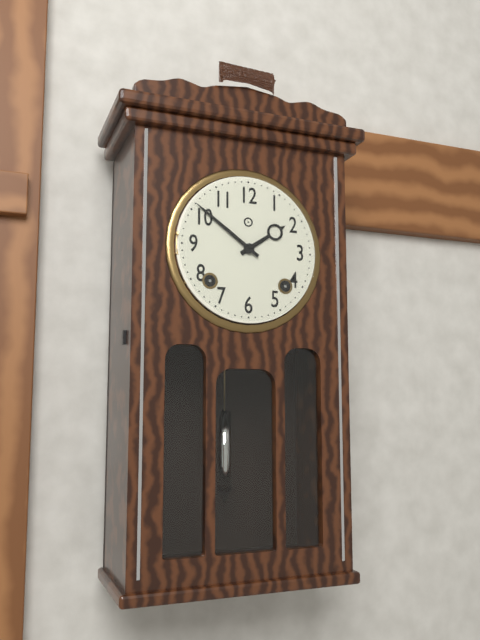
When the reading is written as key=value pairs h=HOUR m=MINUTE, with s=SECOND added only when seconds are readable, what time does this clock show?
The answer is h=1 m=51
